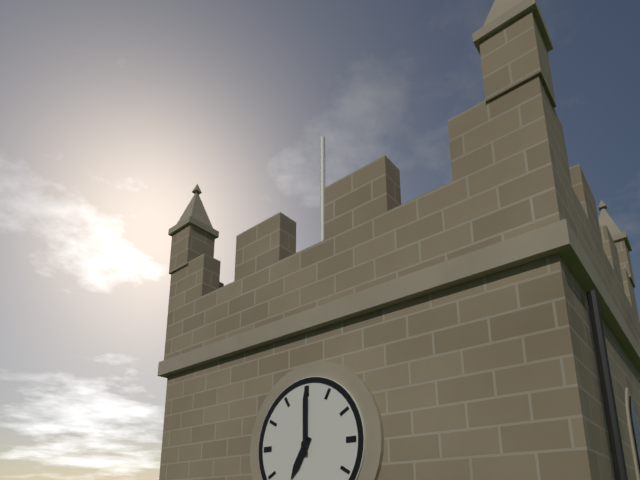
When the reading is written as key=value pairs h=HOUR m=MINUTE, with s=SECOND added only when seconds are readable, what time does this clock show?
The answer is h=7 m=0
